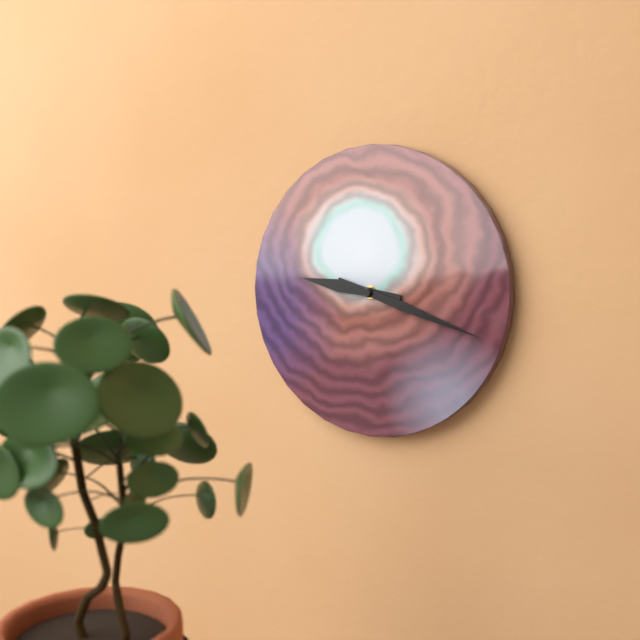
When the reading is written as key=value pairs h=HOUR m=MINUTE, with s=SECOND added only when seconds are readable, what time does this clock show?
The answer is h=9 m=18
